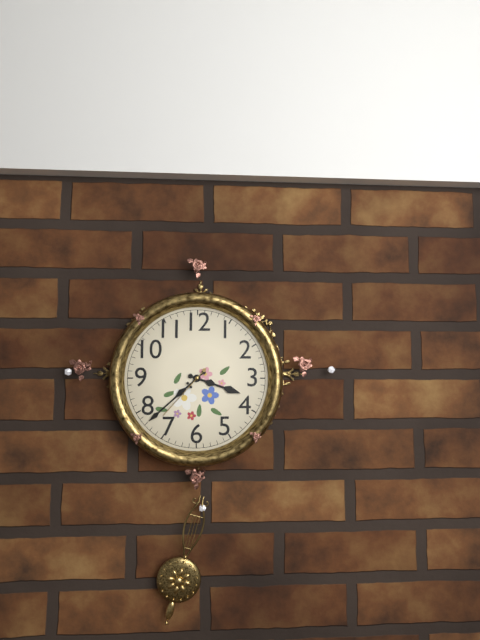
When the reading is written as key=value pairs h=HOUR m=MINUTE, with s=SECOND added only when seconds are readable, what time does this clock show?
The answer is h=3 m=38 s=37
